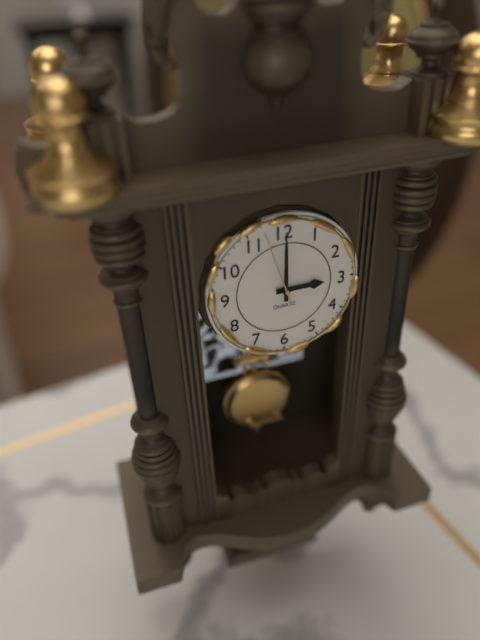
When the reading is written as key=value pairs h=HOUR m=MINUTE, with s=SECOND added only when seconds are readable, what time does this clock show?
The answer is h=3 m=0 s=57
